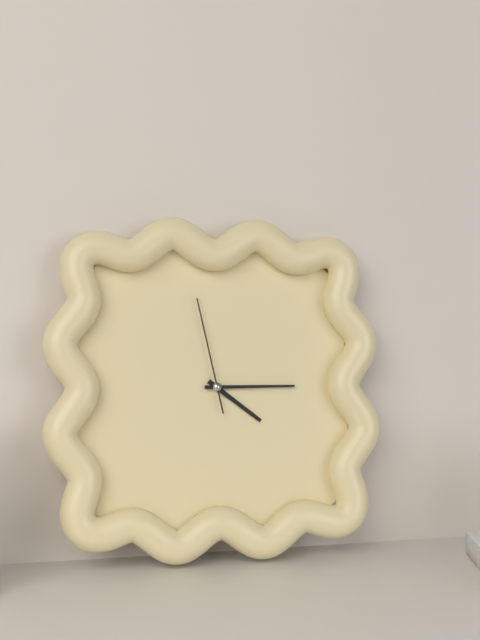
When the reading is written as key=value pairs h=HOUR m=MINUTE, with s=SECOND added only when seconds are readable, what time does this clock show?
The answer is h=4 m=15 s=58
